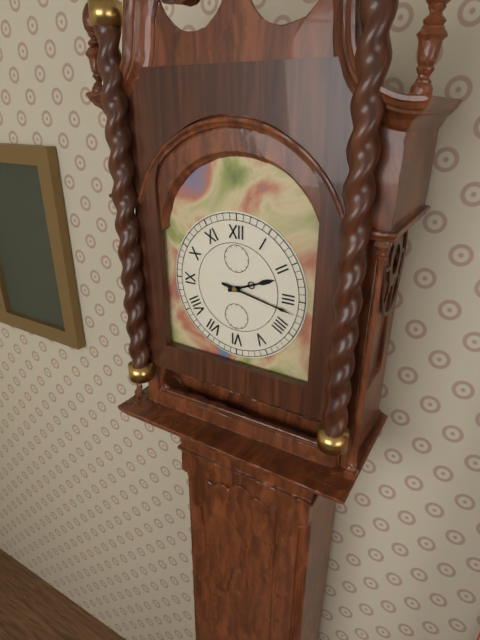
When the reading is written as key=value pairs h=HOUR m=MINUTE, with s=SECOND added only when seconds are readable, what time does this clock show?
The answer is h=2 m=17
